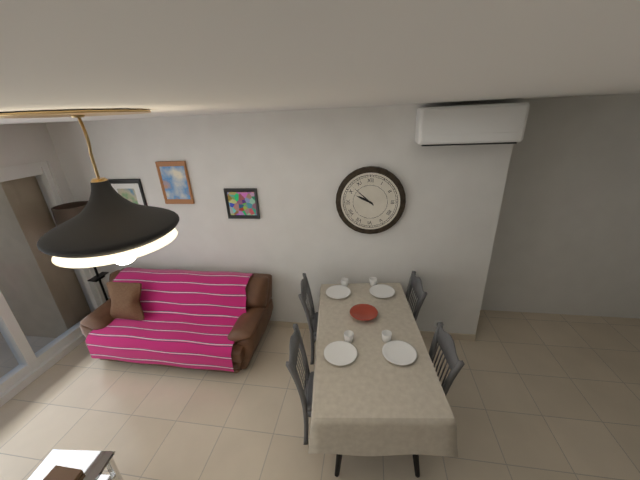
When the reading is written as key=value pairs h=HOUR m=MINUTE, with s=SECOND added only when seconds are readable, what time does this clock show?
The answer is h=9 m=52
